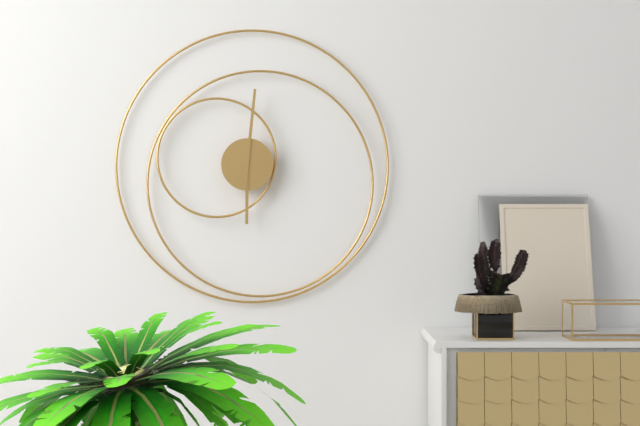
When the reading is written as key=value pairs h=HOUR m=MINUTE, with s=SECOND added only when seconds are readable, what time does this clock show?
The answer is h=6 m=1
